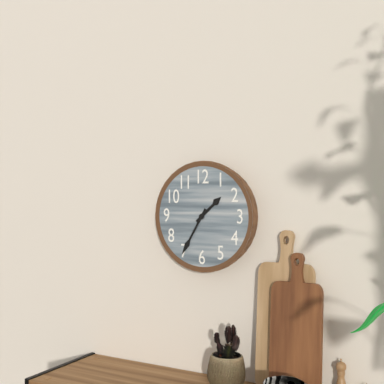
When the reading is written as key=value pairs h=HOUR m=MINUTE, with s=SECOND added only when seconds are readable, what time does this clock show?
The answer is h=1 m=35
